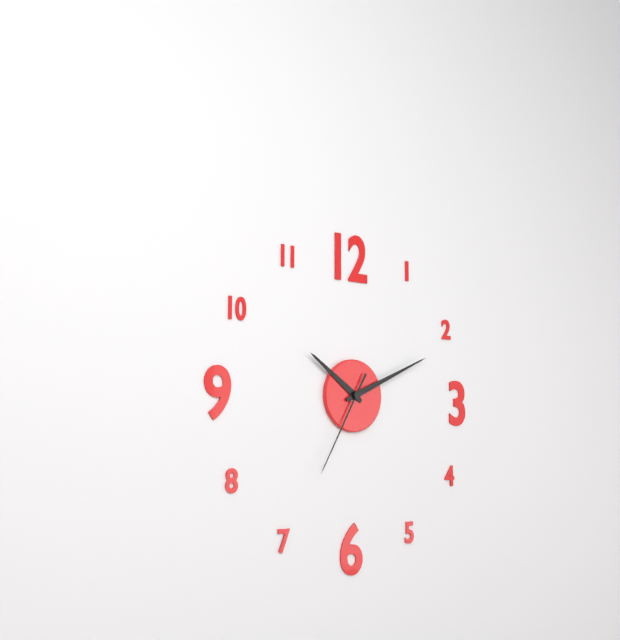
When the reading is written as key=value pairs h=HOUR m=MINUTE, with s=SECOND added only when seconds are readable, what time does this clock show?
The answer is h=10 m=11 s=35
